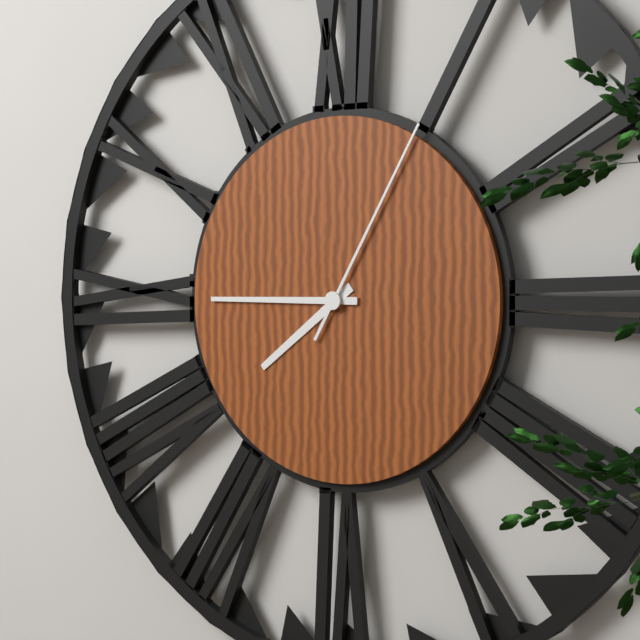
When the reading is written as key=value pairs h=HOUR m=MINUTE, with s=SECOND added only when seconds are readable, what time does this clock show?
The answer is h=7 m=45 s=5
